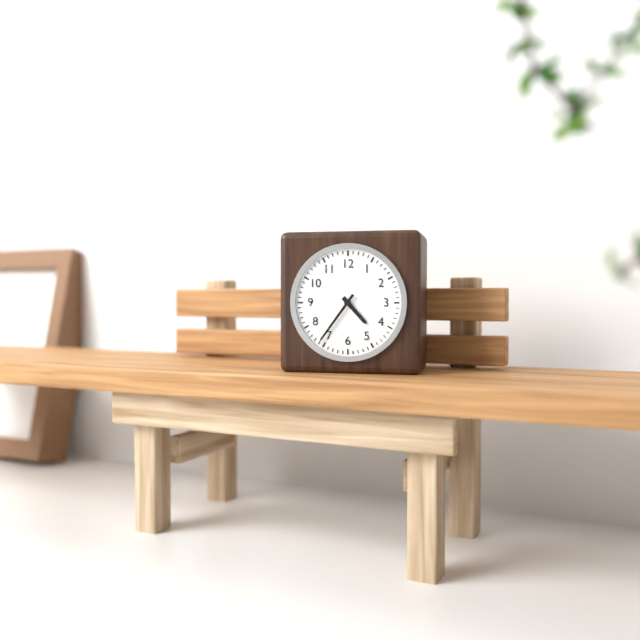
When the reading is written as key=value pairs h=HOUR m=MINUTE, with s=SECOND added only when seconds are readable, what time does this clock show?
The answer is h=4 m=36
